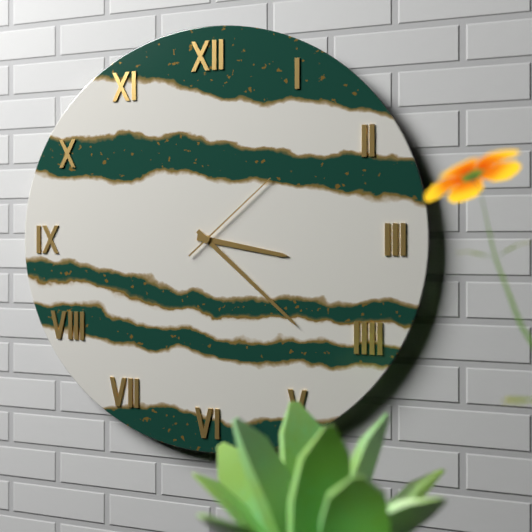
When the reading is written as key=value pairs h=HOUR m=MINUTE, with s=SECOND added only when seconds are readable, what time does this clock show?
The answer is h=3 m=22 s=8
